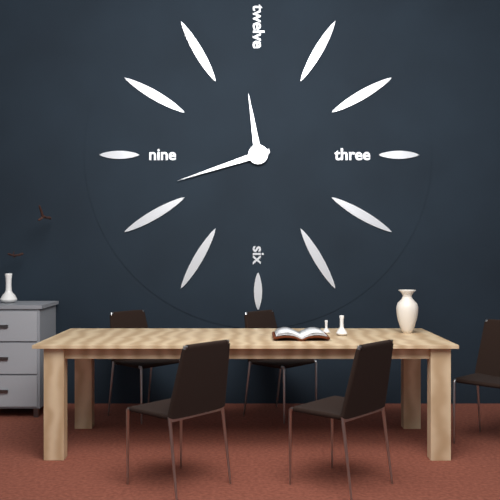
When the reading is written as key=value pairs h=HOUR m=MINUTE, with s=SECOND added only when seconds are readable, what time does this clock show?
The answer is h=11 m=42
